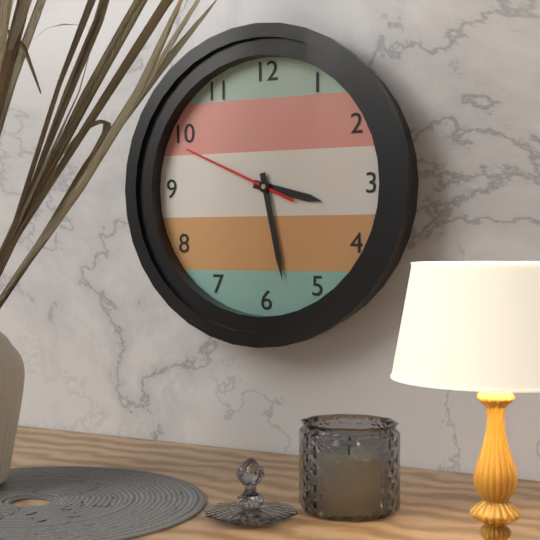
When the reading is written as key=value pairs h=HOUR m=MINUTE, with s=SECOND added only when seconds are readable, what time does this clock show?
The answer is h=3 m=28 s=49
